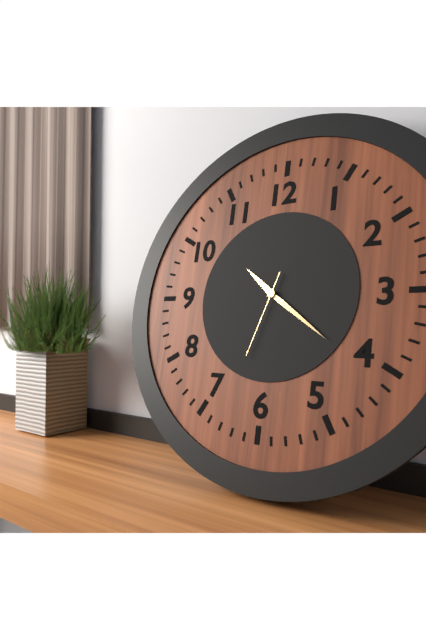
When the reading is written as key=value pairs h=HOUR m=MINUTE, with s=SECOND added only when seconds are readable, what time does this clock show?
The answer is h=10 m=21 s=33
